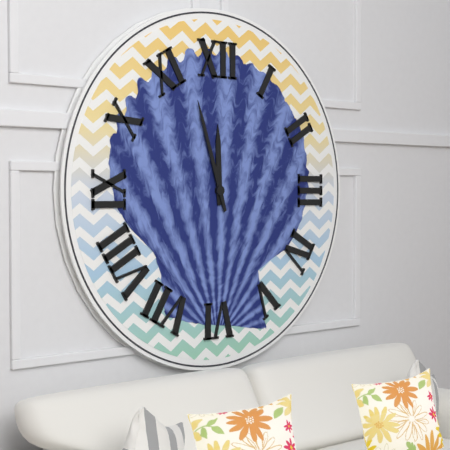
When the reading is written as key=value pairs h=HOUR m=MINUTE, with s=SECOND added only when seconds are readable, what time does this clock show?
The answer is h=11 m=57
